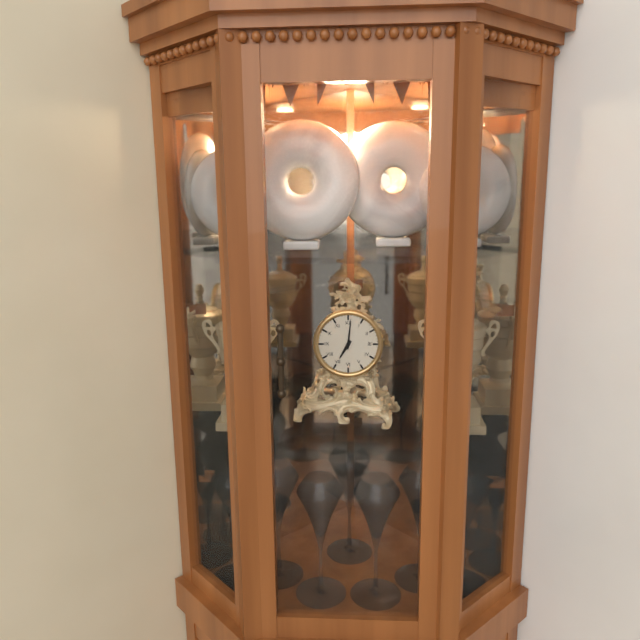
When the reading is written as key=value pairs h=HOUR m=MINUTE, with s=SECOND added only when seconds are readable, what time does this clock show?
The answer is h=7 m=1
